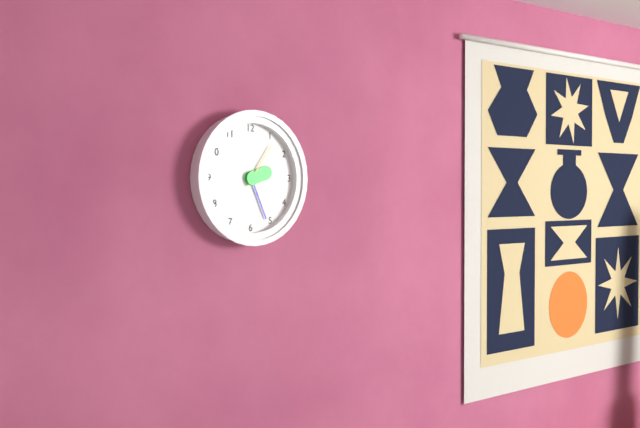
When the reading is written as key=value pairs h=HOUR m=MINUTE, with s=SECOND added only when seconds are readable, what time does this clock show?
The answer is h=2 m=26 s=6
